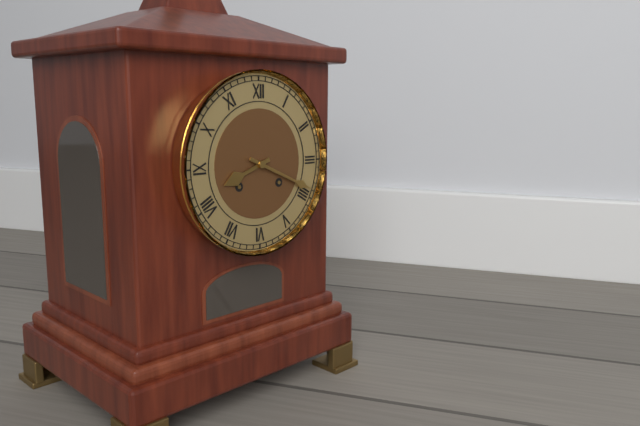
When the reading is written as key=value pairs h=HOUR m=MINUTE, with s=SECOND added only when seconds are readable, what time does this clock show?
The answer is h=8 m=19
